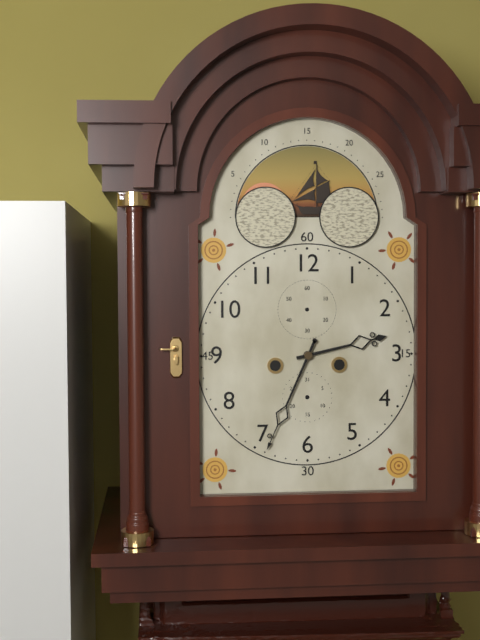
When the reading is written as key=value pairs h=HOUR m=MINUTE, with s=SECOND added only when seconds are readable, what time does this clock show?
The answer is h=2 m=34
